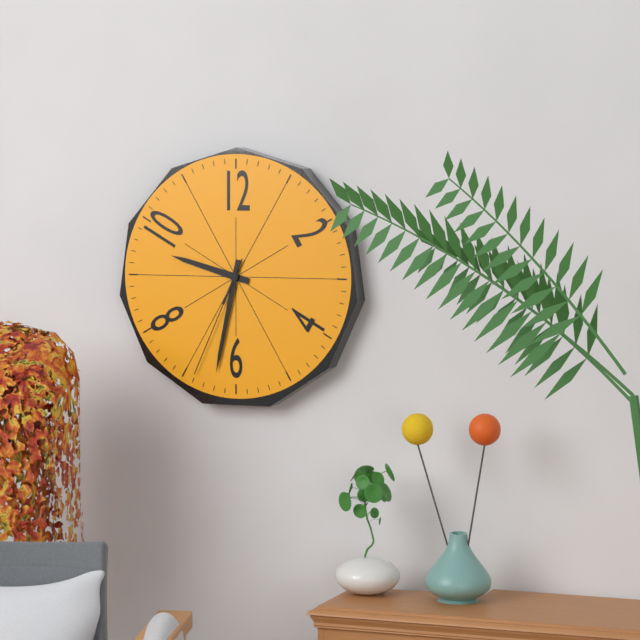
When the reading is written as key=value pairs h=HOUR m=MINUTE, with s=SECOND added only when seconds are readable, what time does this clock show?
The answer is h=9 m=32 s=34
